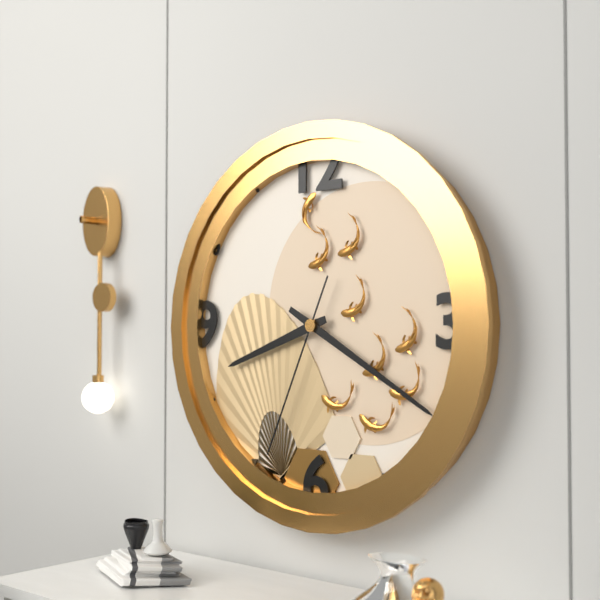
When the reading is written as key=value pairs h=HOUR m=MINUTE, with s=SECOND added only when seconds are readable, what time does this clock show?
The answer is h=8 m=20 s=34
